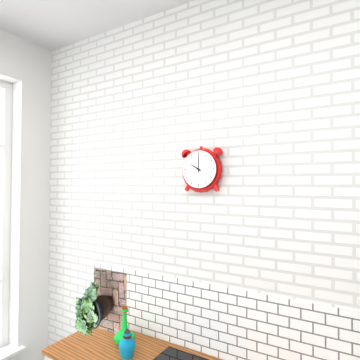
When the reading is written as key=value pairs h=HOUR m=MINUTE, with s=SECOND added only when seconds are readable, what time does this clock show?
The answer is h=10 m=0
